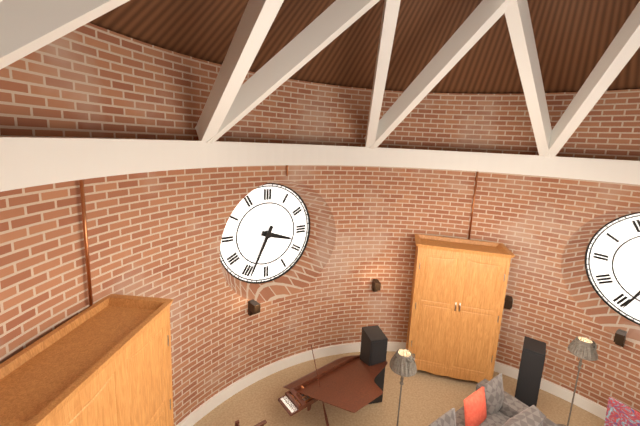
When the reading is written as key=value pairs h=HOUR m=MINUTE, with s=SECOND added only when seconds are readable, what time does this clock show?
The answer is h=3 m=34
